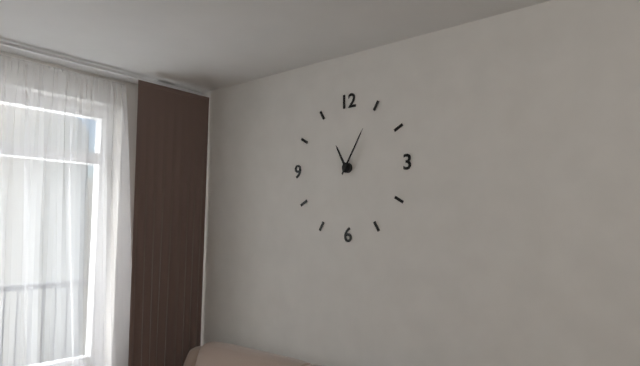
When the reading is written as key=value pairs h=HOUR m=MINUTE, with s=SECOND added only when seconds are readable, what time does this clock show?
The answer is h=11 m=5
